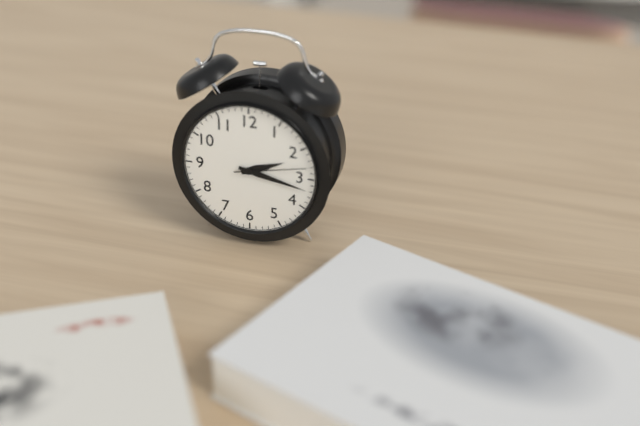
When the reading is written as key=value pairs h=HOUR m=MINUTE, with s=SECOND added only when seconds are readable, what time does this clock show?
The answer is h=2 m=17 s=13
